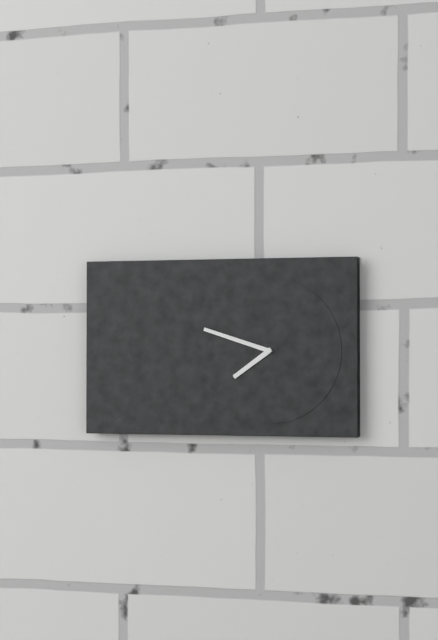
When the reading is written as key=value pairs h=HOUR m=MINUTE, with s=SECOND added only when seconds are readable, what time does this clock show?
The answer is h=7 m=48
